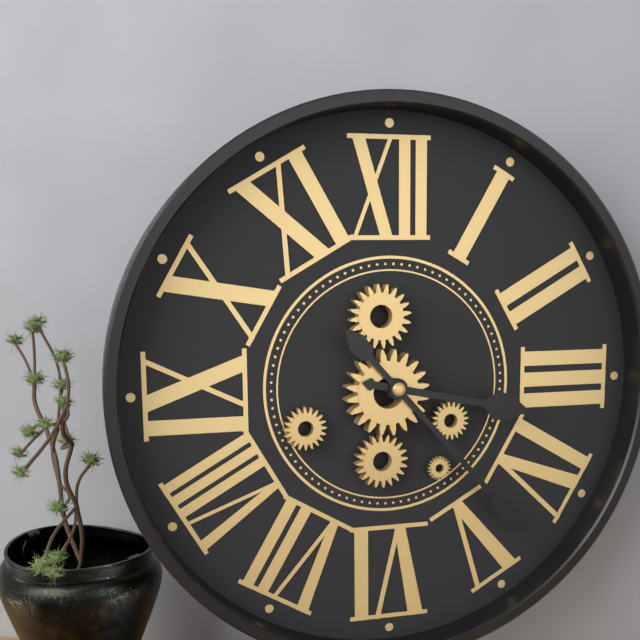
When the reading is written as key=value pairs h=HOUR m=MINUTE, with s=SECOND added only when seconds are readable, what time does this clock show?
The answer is h=3 m=23
